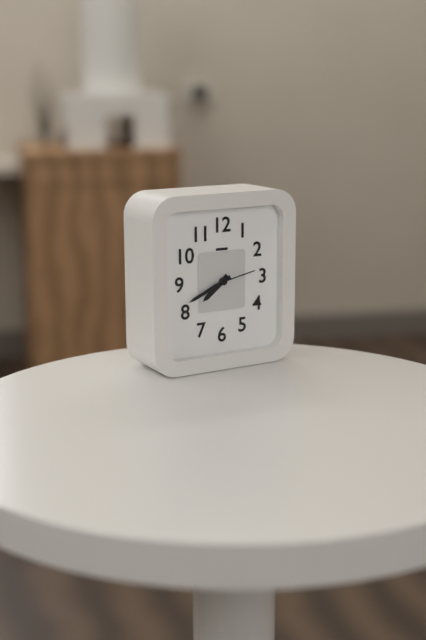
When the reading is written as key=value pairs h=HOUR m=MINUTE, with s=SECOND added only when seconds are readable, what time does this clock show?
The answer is h=7 m=41
